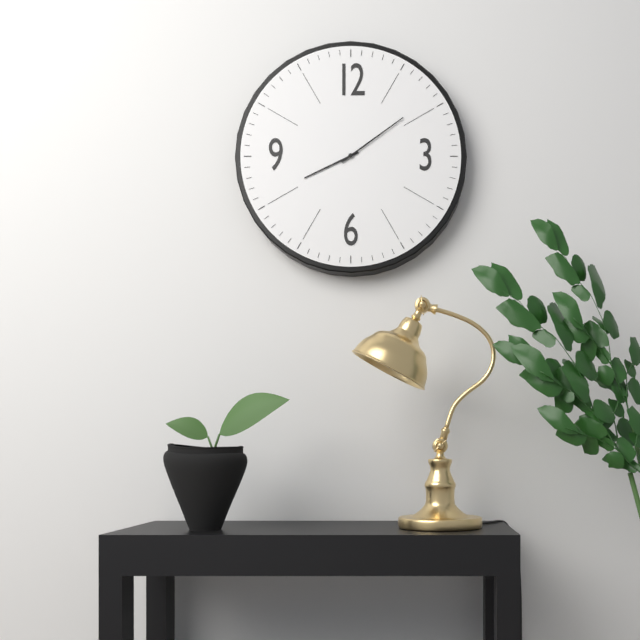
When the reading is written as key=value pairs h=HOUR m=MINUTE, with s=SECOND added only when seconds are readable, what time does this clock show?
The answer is h=8 m=9
